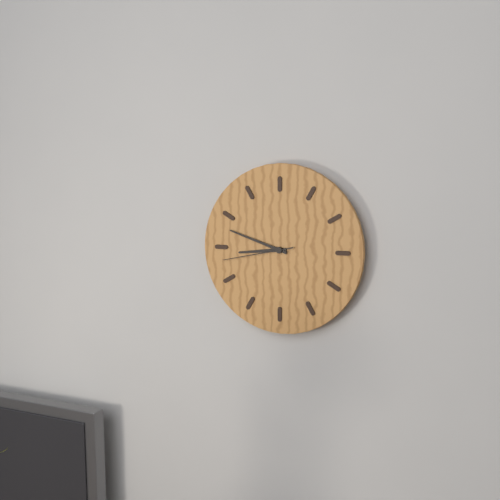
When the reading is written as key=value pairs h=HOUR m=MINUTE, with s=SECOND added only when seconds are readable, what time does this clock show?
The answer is h=8 m=48 s=43
